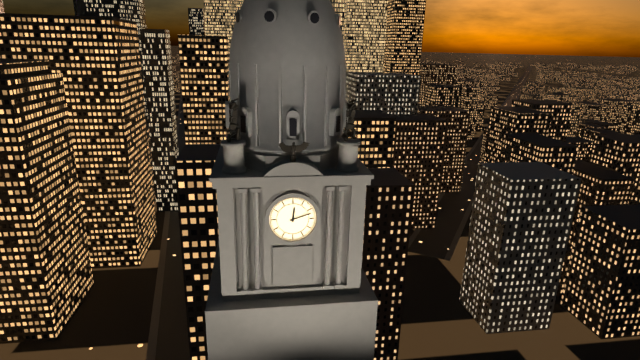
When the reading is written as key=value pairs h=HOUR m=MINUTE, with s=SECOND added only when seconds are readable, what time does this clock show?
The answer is h=12 m=12
